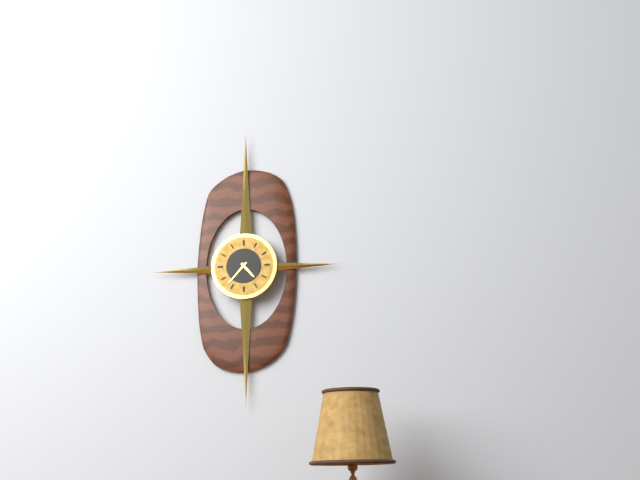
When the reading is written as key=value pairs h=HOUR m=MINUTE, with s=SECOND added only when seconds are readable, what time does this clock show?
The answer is h=4 m=37
